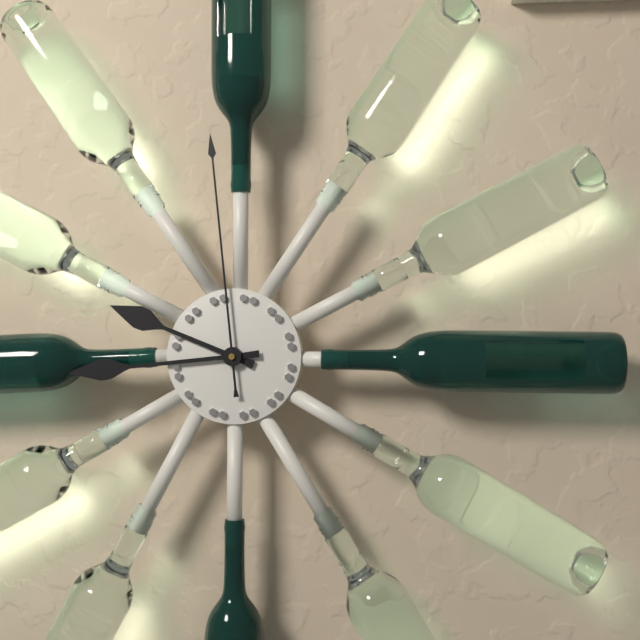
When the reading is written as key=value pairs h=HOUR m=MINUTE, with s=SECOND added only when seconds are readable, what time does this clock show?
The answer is h=9 m=44 s=59
